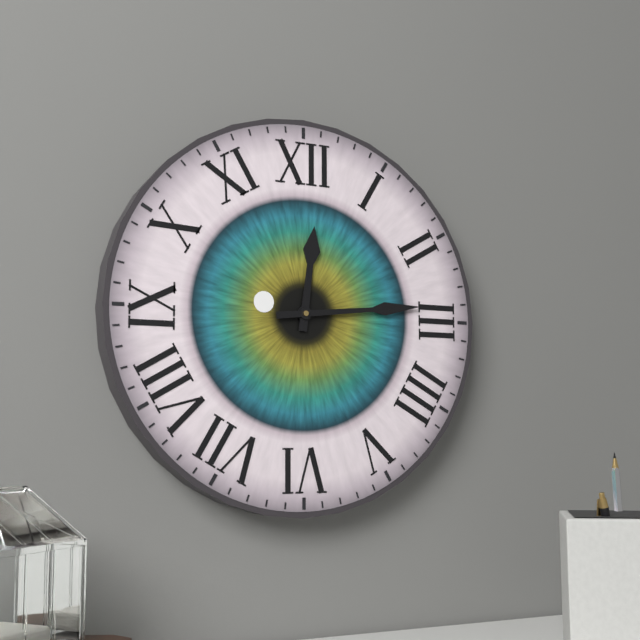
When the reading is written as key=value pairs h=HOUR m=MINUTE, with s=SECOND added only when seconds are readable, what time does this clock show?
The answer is h=12 m=14
